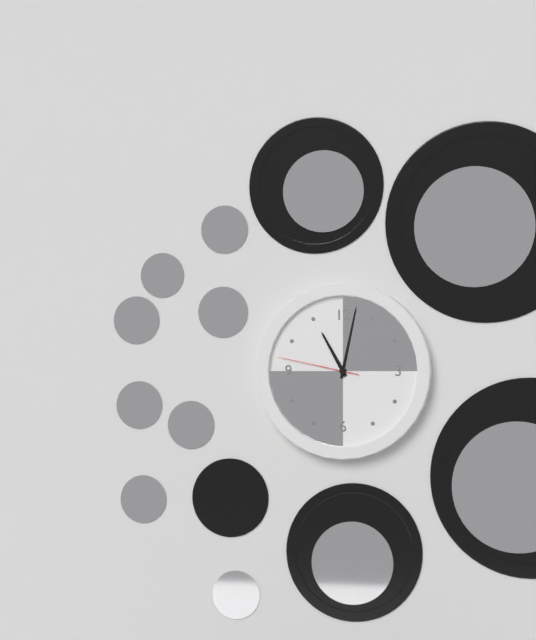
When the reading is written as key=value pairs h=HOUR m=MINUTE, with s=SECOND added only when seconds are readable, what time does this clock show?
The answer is h=11 m=2 s=47
